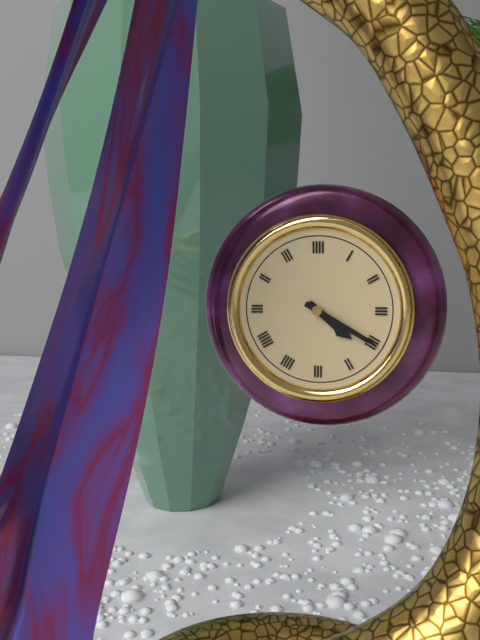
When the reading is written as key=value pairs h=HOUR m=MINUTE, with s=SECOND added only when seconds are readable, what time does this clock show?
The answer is h=4 m=20
